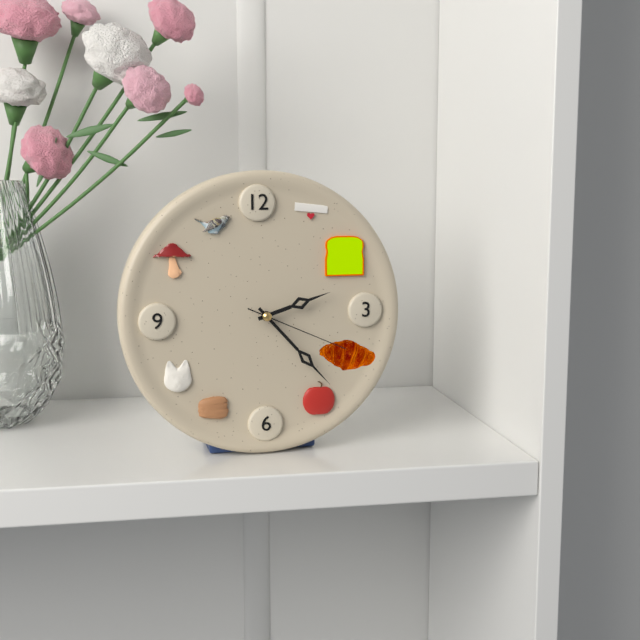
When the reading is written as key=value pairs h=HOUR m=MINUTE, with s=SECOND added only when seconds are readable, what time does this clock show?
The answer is h=2 m=23 s=19
